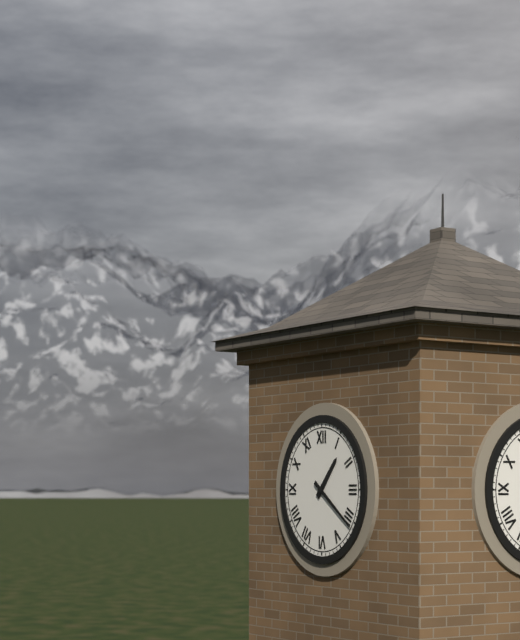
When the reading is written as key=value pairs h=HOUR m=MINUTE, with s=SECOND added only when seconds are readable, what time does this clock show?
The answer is h=1 m=21
